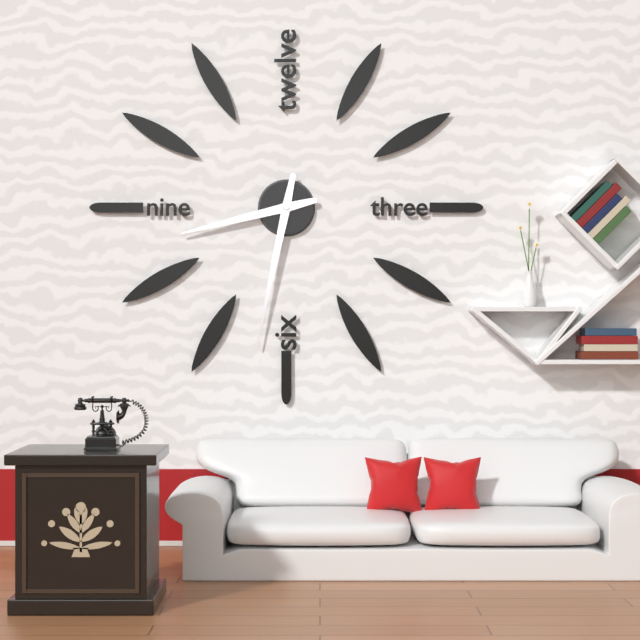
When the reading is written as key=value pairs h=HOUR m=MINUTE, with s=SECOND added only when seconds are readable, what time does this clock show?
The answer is h=8 m=32
